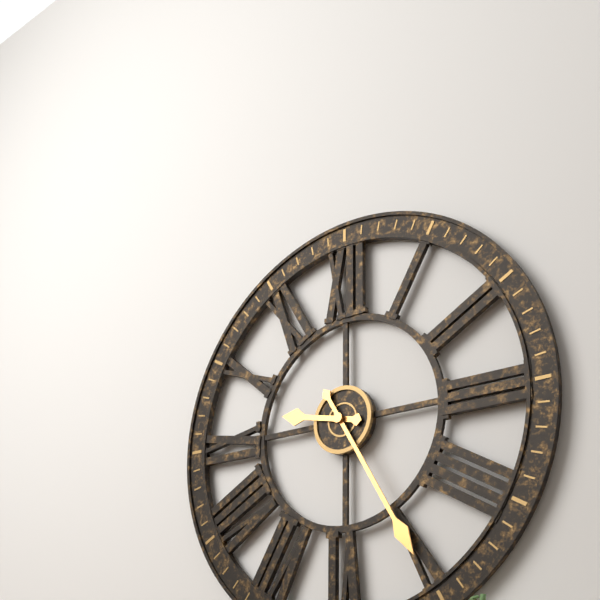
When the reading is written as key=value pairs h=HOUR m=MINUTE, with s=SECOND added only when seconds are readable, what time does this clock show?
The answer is h=9 m=25
